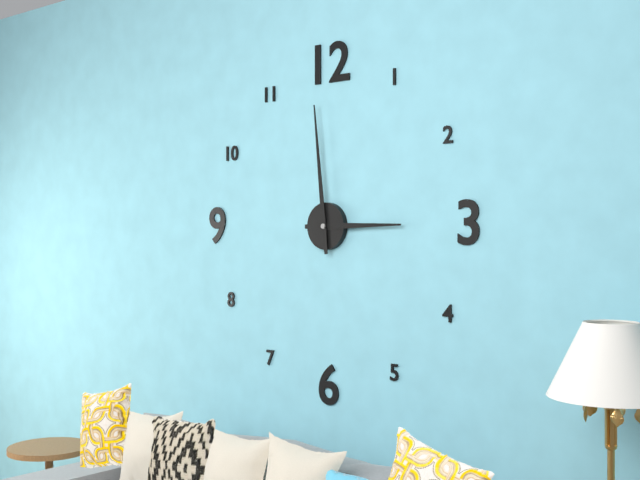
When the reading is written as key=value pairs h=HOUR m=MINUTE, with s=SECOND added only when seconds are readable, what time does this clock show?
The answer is h=2 m=59
